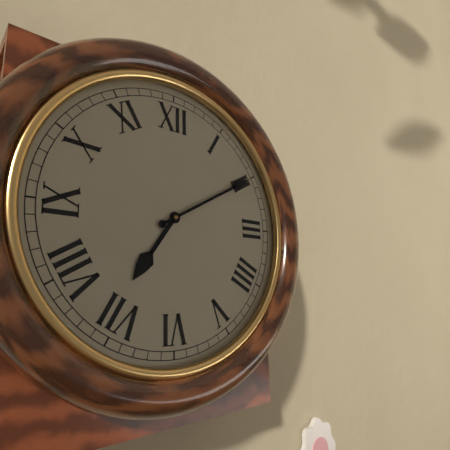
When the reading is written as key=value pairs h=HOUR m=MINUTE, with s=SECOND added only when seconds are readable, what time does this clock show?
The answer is h=7 m=10
